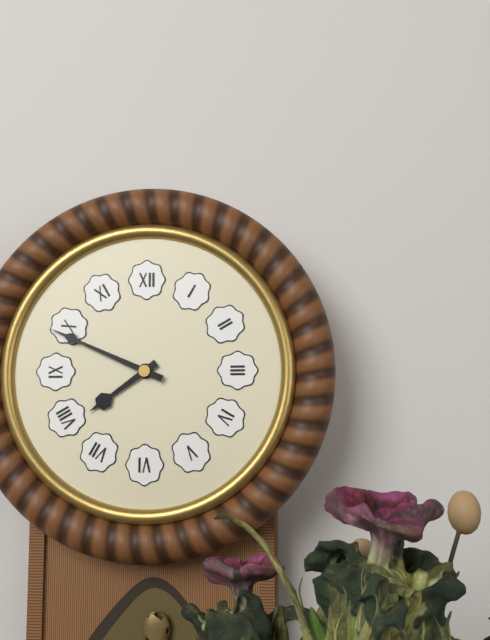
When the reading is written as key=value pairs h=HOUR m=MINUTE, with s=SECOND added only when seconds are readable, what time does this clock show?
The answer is h=7 m=49
